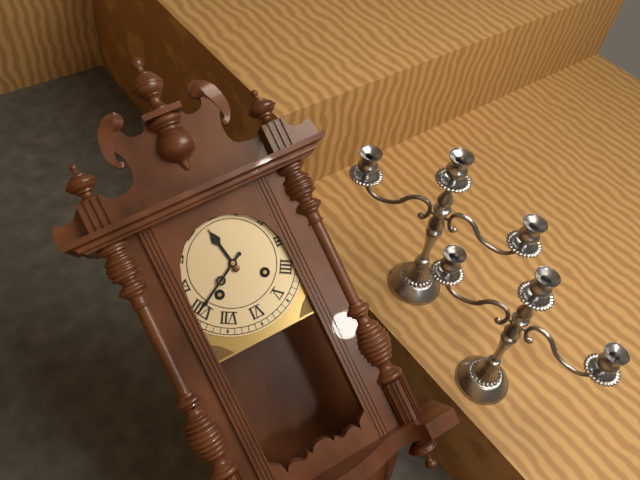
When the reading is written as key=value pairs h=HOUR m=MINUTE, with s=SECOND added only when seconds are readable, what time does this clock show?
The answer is h=11 m=40
